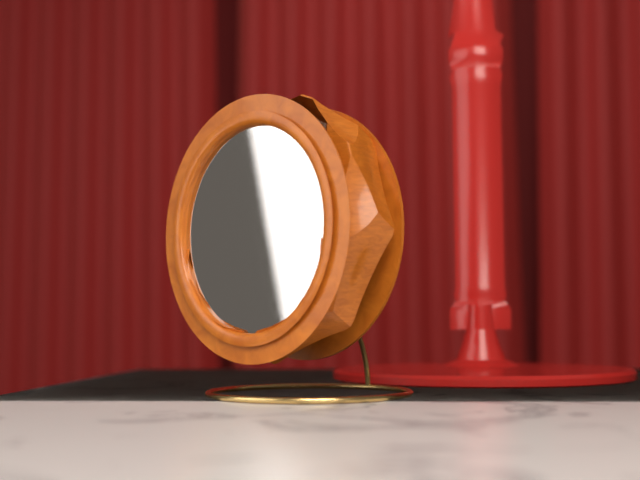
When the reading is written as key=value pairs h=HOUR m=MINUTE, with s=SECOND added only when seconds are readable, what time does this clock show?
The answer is h=2 m=28 s=14
